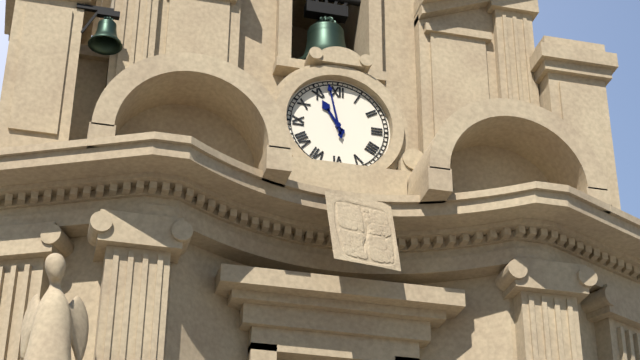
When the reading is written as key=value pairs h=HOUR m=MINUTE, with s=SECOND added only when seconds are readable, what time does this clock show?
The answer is h=10 m=58
